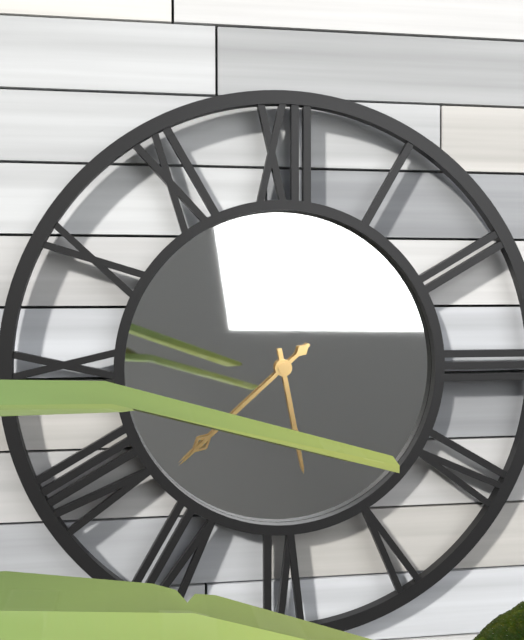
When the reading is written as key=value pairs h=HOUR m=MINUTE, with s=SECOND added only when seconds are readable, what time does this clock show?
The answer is h=5 m=38
